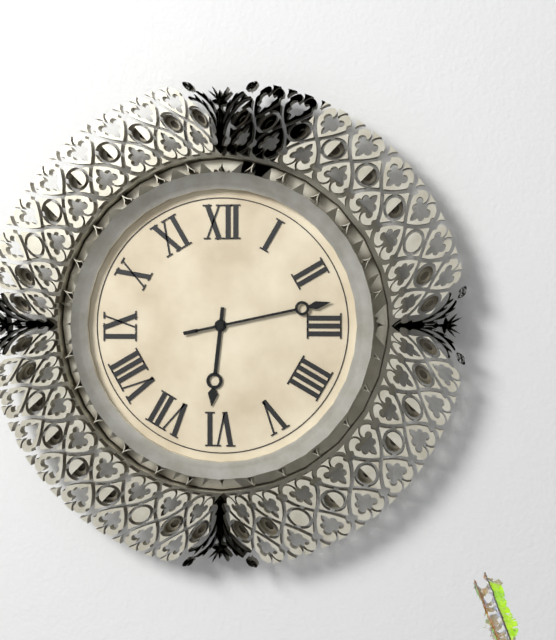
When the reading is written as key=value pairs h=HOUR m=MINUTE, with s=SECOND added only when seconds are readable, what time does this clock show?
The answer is h=6 m=13
